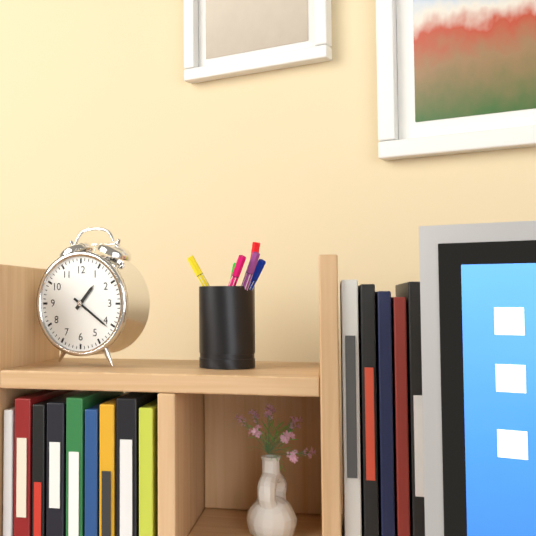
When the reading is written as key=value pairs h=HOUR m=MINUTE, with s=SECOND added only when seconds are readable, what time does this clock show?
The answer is h=1 m=21
